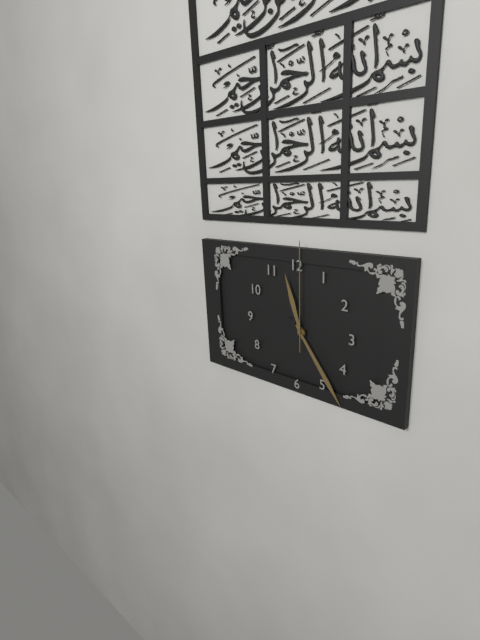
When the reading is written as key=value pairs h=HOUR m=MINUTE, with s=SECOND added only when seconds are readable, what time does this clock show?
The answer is h=11 m=24 s=0
